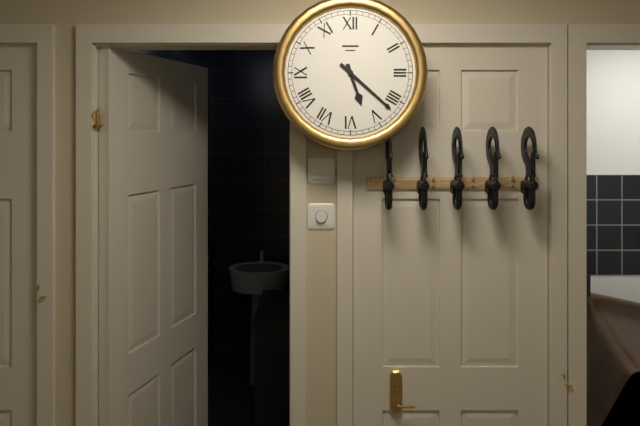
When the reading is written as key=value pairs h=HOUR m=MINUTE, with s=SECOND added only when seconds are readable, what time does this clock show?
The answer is h=5 m=22
